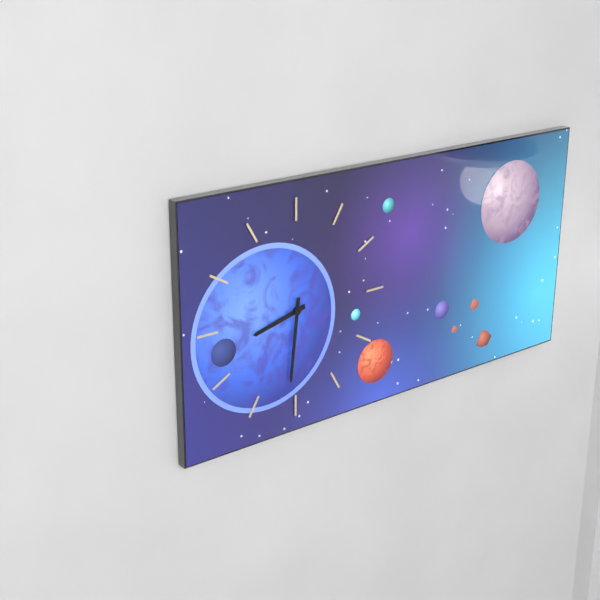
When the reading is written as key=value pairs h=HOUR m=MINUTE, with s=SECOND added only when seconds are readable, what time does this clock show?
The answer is h=8 m=31
